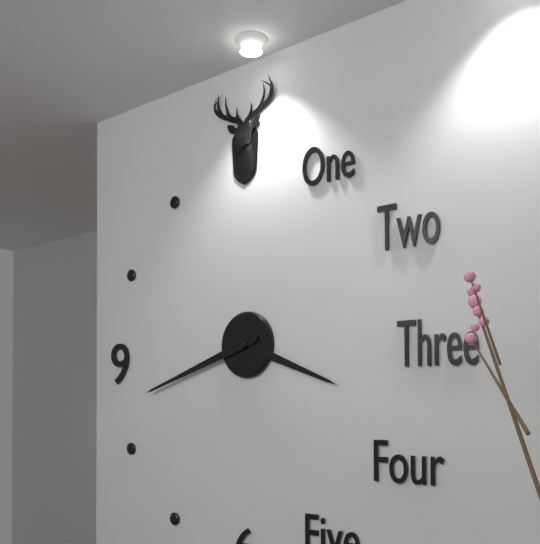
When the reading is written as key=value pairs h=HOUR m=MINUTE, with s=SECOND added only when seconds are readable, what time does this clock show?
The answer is h=3 m=42
